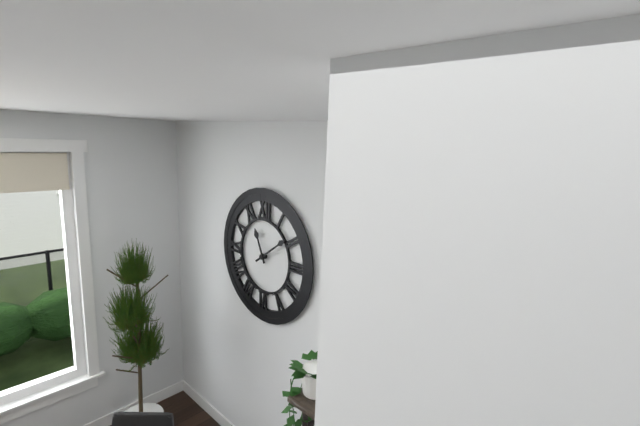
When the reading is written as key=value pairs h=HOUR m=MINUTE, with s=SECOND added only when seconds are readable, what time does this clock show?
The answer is h=11 m=9
